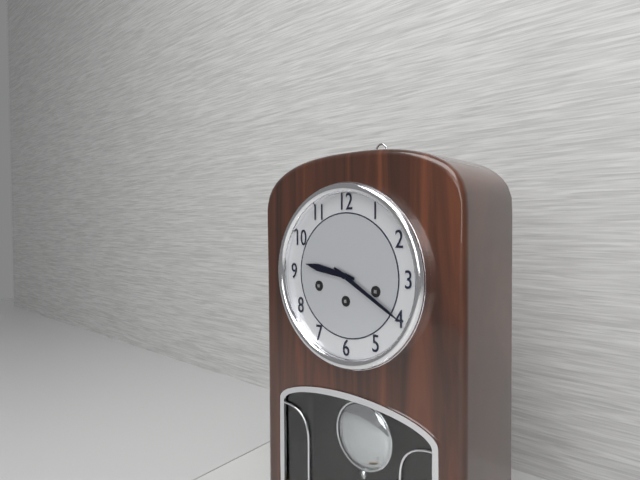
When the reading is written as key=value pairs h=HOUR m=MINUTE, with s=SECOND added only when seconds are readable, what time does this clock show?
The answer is h=9 m=20
